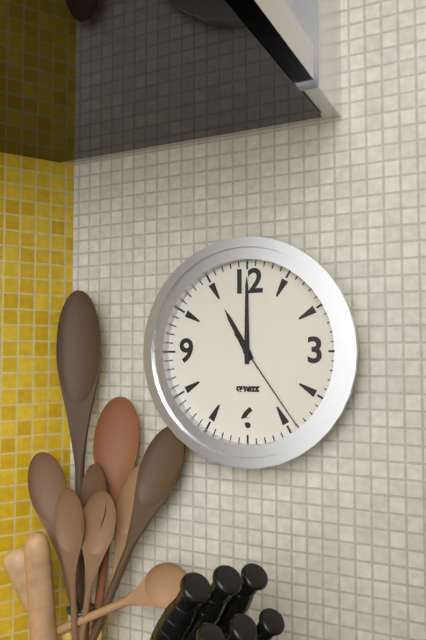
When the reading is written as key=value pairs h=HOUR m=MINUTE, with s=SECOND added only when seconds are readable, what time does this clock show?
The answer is h=11 m=0 s=24
